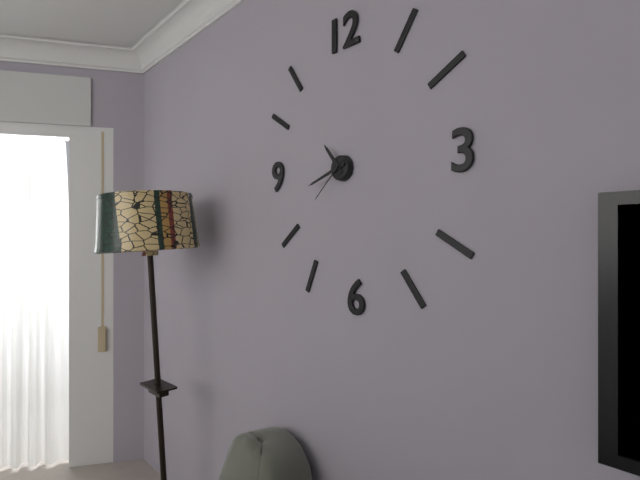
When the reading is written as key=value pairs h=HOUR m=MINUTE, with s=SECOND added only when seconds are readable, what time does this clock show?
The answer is h=10 m=42
